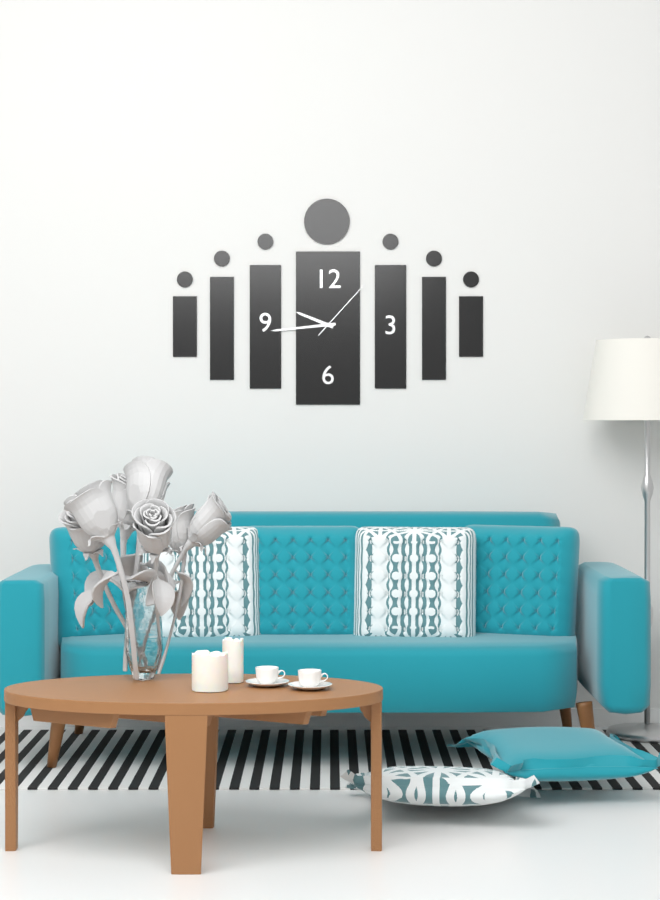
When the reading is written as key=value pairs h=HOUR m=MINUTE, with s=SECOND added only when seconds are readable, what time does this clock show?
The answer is h=9 m=44 s=7
